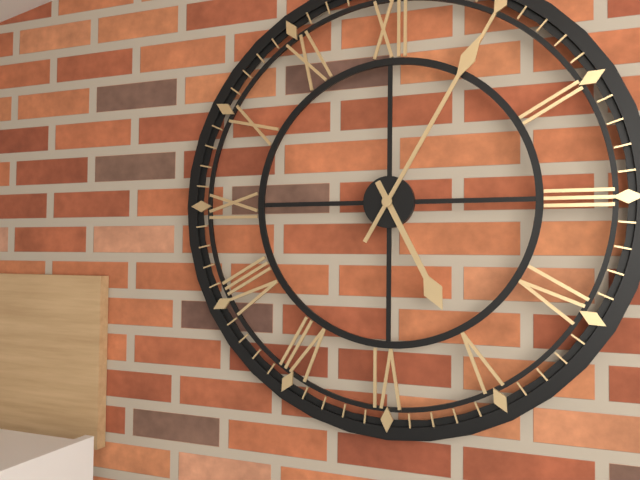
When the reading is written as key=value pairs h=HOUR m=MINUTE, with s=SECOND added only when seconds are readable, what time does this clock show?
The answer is h=5 m=5
